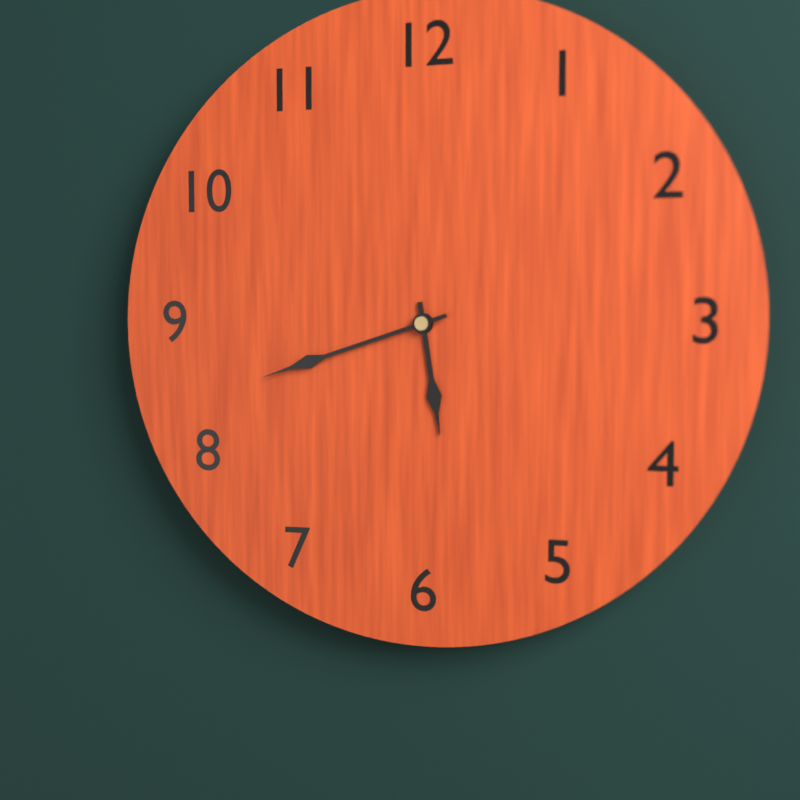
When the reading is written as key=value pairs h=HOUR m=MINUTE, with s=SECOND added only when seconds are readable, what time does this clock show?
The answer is h=5 m=42
